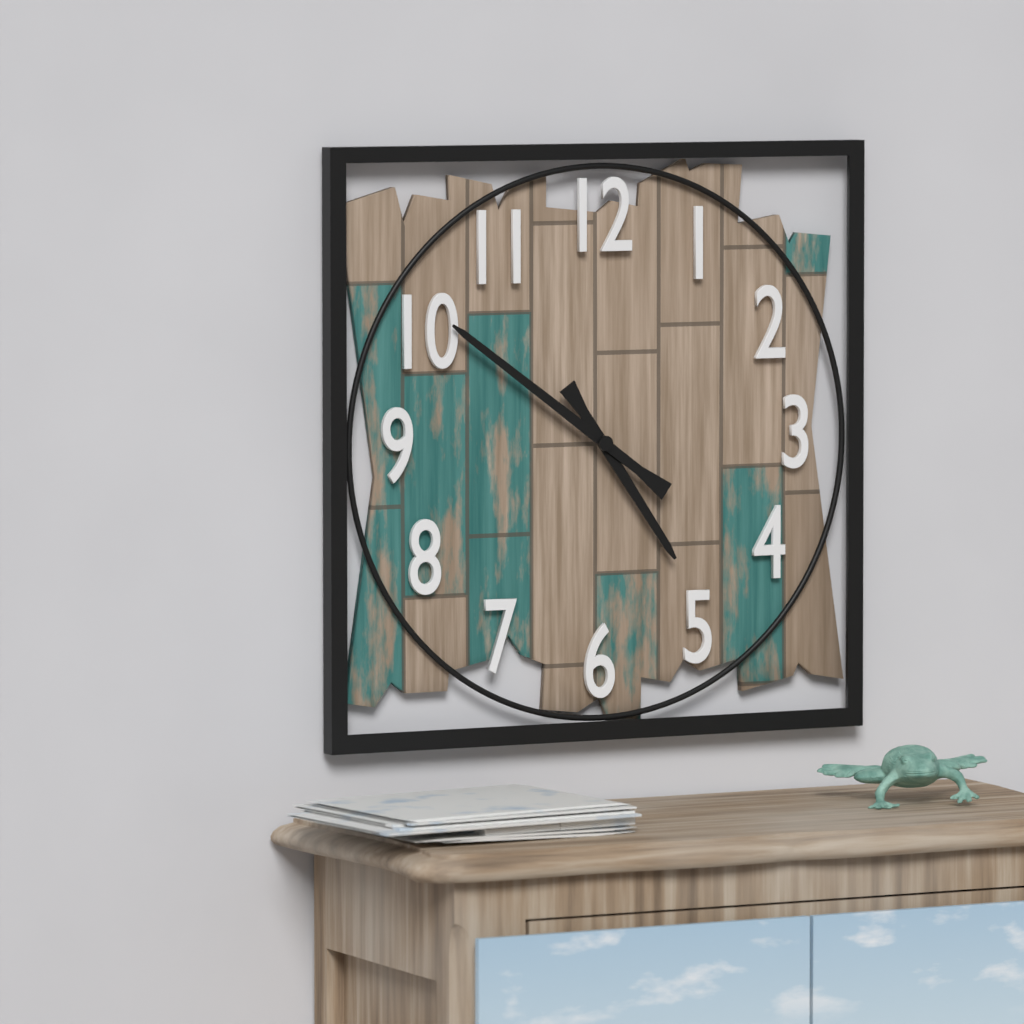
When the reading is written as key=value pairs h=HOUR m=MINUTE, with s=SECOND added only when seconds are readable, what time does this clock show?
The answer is h=4 m=51
